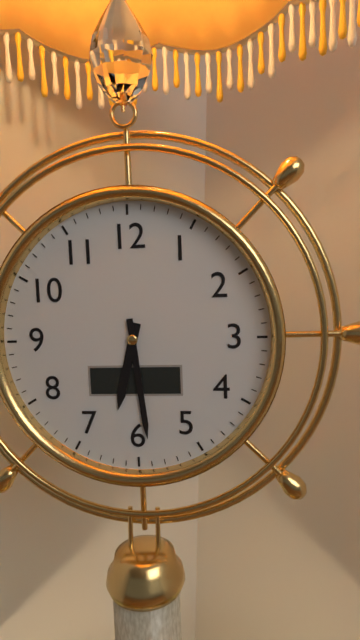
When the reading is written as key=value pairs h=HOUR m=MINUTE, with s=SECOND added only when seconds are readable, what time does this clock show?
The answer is h=6 m=29
